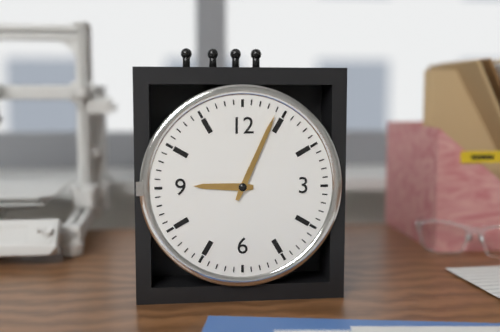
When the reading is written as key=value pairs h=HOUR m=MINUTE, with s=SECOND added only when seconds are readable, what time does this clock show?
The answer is h=9 m=4
